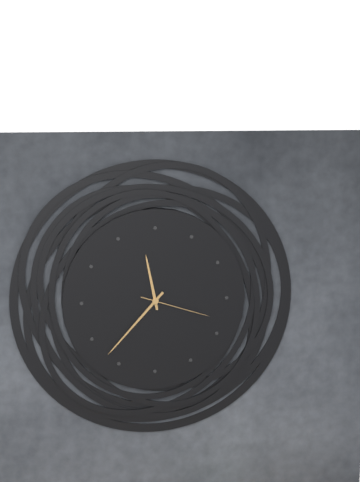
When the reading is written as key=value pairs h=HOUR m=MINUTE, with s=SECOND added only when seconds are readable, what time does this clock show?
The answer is h=11 m=37 s=18
